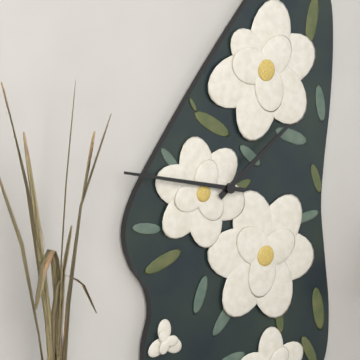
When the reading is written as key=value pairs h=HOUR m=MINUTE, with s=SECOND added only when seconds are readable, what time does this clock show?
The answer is h=1 m=47
